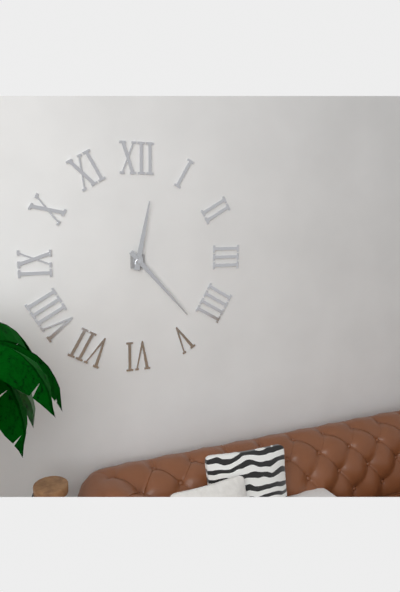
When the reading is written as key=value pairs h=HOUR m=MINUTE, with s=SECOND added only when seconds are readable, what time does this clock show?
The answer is h=12 m=23
